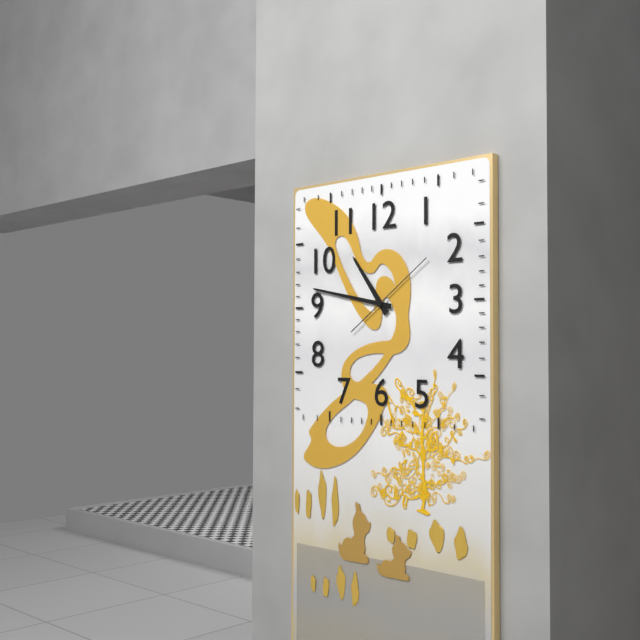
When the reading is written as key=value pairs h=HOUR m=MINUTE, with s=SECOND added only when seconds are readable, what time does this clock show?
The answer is h=10 m=47 s=9
